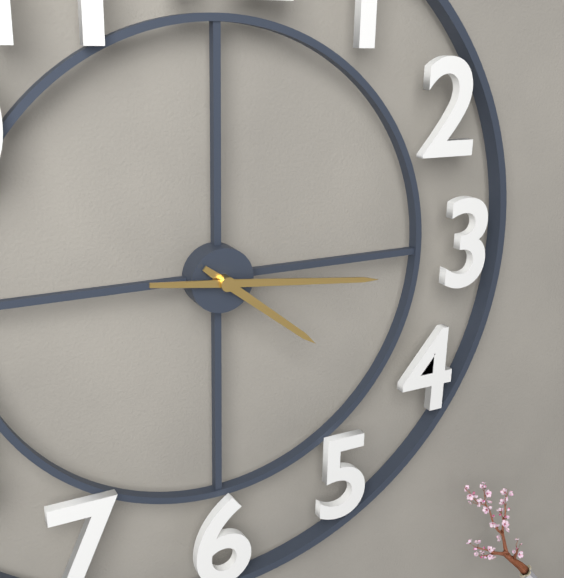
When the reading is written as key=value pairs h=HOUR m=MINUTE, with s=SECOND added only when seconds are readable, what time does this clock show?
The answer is h=4 m=16
